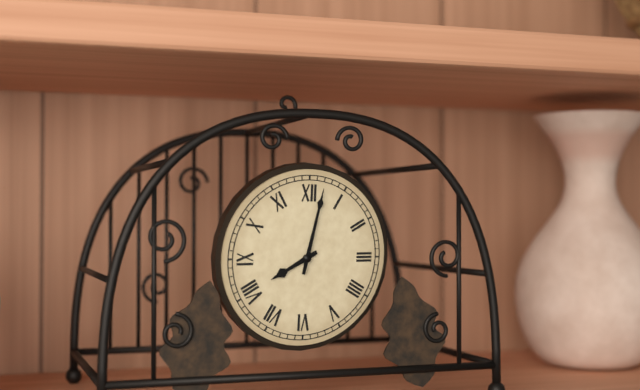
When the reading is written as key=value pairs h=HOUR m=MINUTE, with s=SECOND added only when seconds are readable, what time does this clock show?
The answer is h=8 m=2
